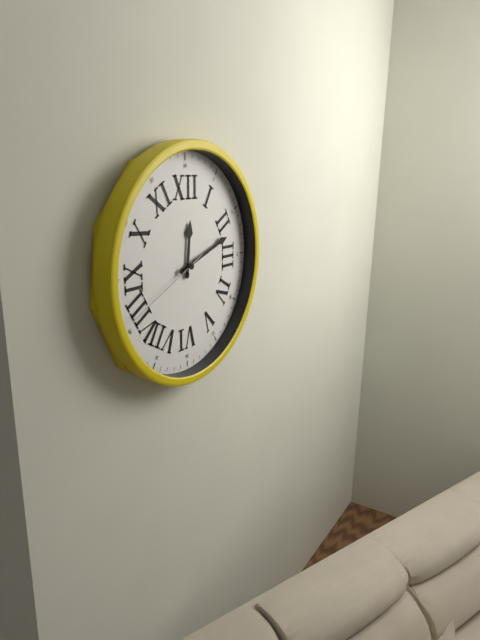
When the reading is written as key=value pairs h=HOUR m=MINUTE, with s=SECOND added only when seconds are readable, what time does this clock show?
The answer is h=12 m=12 s=41
